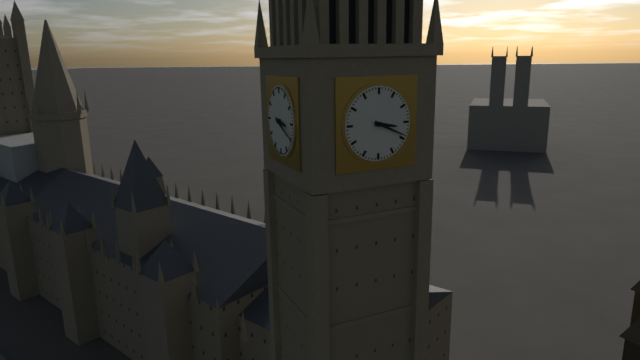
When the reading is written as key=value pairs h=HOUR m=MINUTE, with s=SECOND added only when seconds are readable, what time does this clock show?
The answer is h=3 m=19
